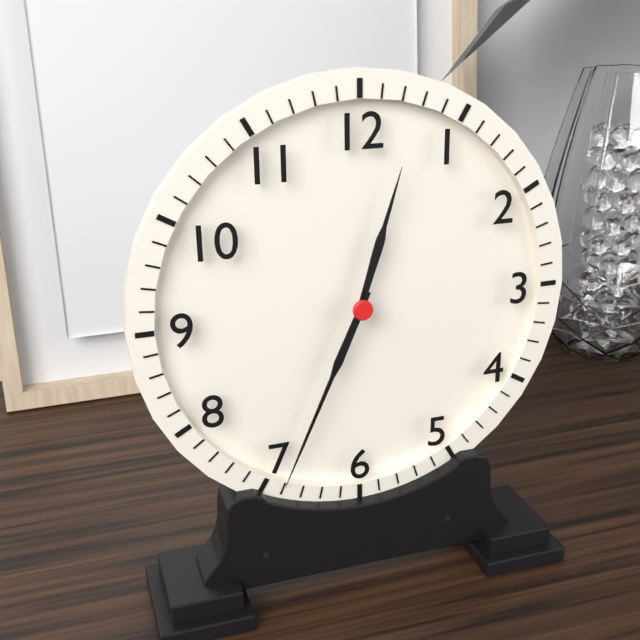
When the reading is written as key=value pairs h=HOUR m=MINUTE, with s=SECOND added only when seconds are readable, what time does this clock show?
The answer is h=12 m=34
